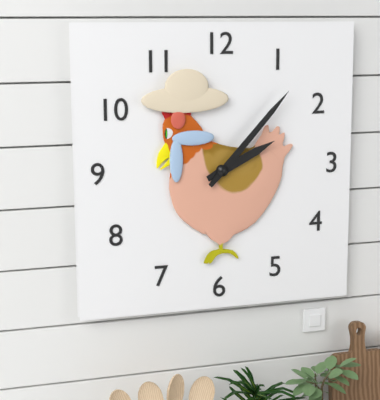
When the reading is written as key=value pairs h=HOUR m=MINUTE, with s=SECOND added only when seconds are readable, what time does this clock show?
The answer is h=2 m=7
